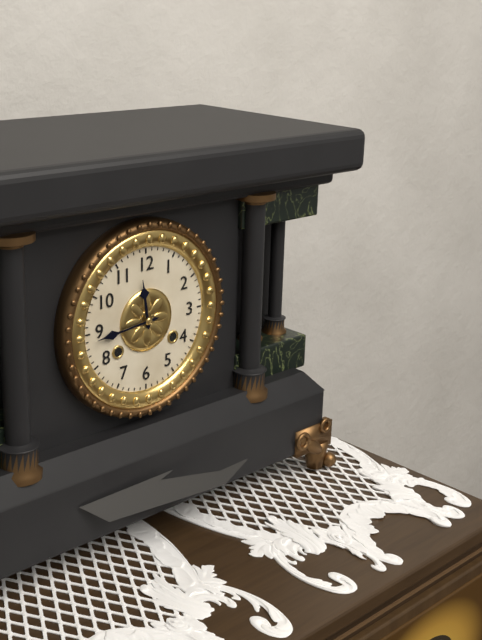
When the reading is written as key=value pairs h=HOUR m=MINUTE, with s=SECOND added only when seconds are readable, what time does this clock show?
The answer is h=11 m=44
